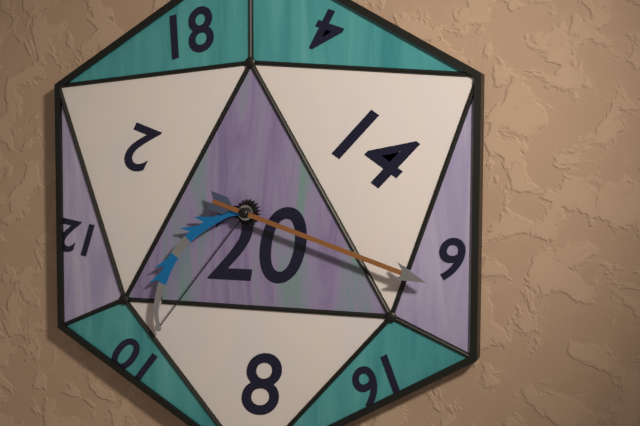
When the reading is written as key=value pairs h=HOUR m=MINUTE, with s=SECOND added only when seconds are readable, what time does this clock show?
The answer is h=7 m=18
